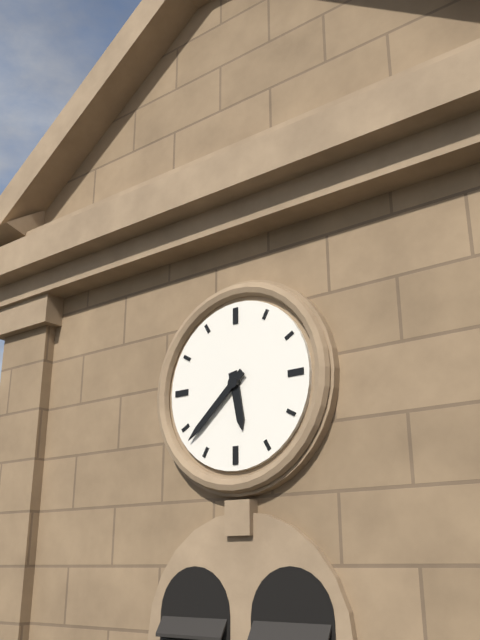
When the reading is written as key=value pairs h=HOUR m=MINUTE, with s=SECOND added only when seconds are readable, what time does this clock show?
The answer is h=5 m=38
